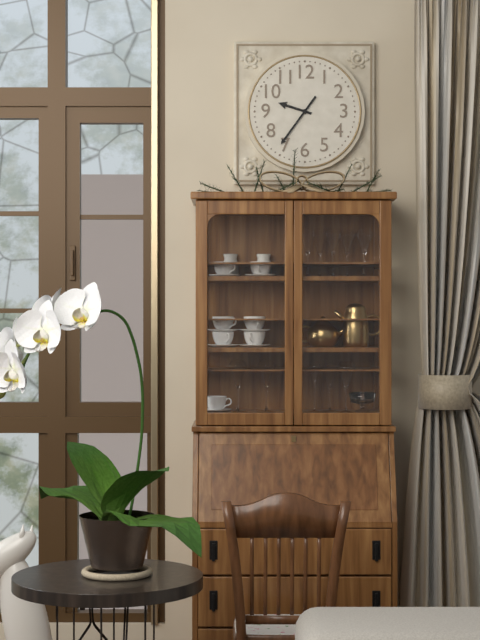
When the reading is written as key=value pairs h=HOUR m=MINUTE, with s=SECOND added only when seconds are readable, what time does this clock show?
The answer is h=9 m=36
